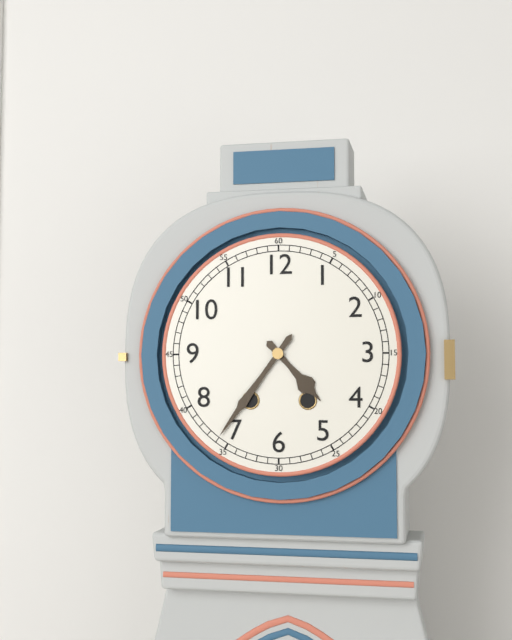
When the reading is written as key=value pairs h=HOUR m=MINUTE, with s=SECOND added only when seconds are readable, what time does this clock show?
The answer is h=4 m=36
